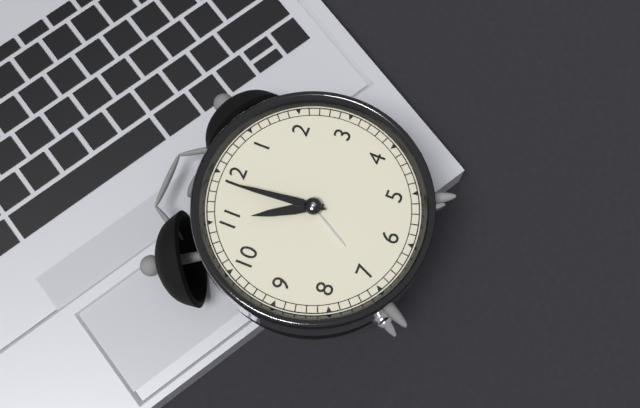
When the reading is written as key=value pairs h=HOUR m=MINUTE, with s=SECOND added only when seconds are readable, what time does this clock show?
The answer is h=10 m=59
